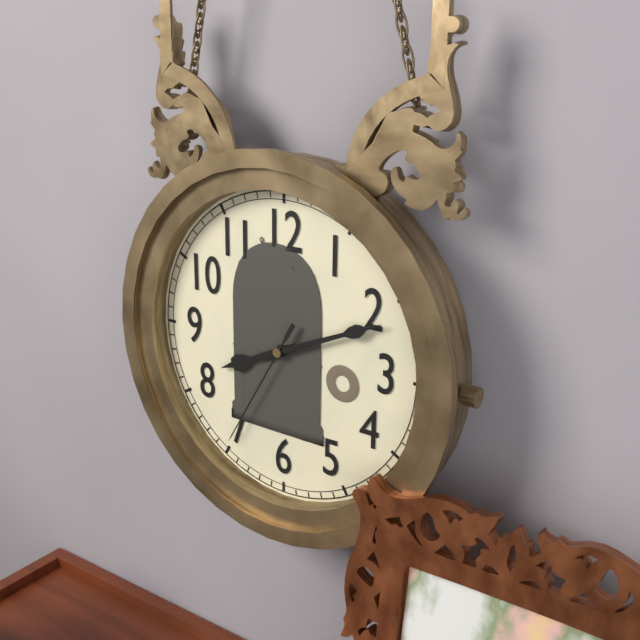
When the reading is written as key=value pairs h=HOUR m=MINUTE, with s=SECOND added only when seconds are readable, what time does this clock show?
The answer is h=8 m=11 s=35
